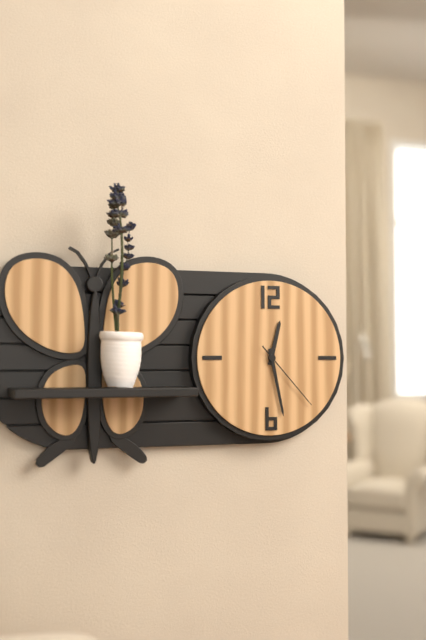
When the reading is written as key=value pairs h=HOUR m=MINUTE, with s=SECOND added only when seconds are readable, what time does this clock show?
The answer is h=12 m=28 s=23
